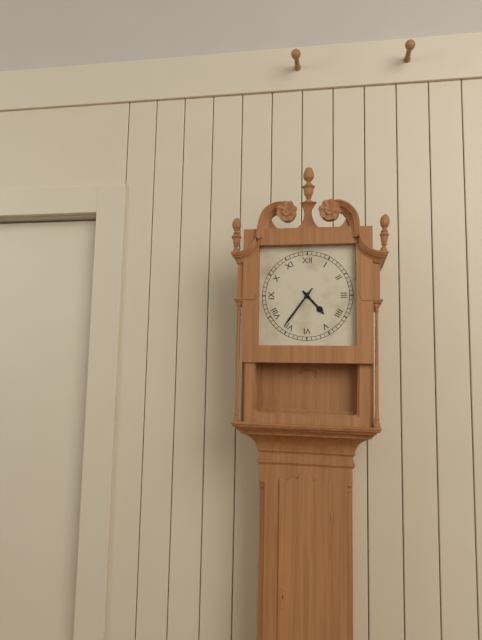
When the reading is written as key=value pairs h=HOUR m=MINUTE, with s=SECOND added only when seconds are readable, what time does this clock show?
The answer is h=4 m=36
